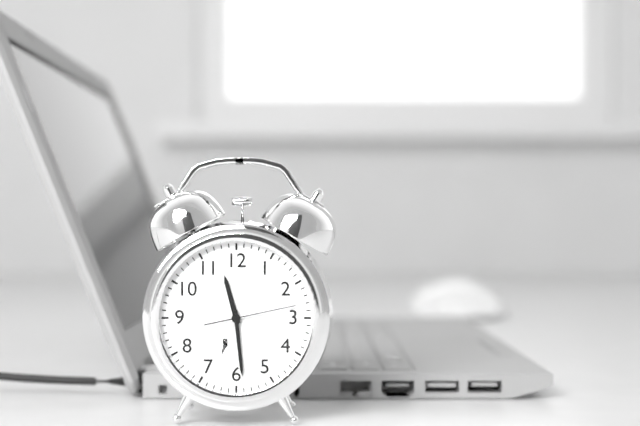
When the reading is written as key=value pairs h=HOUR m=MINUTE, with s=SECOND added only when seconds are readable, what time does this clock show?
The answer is h=11 m=29 s=13
